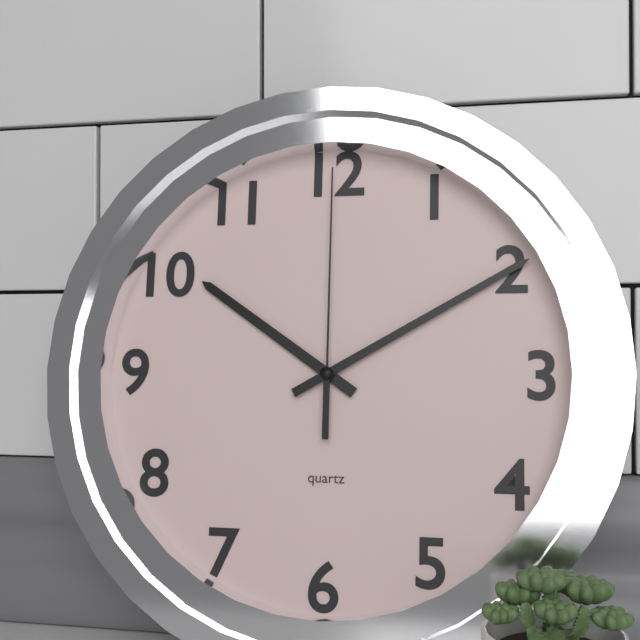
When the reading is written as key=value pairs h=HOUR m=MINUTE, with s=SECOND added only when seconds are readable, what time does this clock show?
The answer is h=10 m=10 s=0
